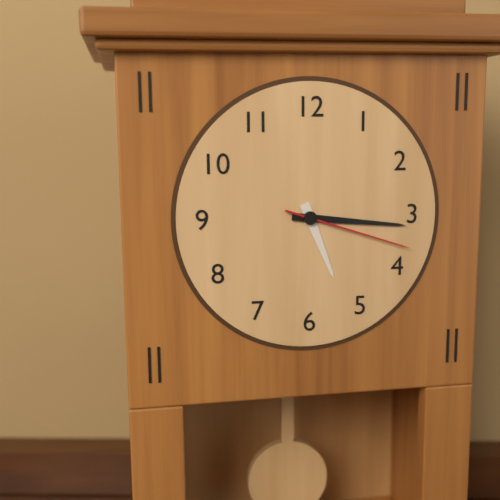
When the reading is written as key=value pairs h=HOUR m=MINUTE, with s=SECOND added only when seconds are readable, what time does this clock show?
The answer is h=5 m=16 s=18
